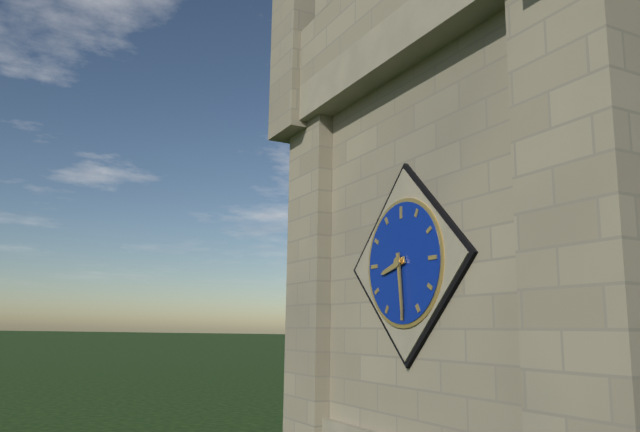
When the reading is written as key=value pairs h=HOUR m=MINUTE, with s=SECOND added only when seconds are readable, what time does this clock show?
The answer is h=8 m=29
